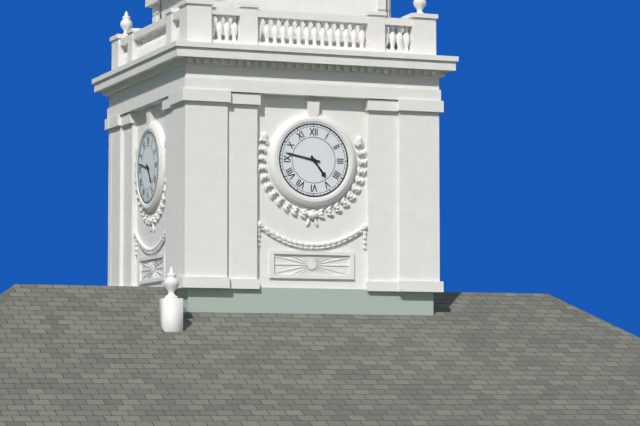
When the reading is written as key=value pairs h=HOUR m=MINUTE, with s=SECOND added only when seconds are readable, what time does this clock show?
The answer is h=4 m=47
